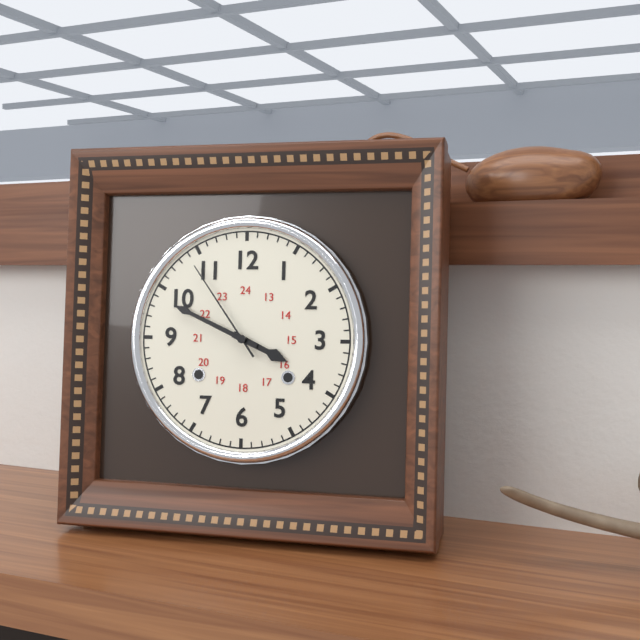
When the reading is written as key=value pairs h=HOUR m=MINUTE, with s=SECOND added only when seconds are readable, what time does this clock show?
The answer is h=3 m=49 s=54
